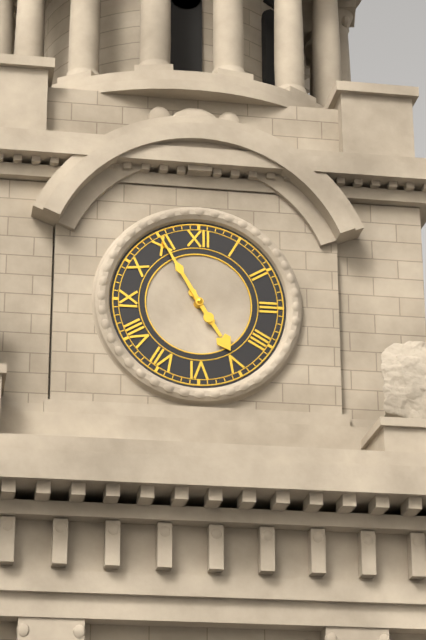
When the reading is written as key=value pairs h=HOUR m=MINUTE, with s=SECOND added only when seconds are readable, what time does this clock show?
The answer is h=4 m=55
